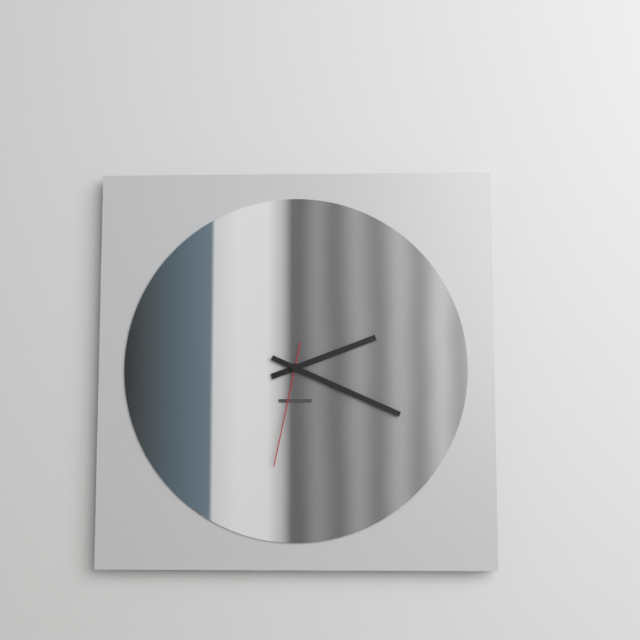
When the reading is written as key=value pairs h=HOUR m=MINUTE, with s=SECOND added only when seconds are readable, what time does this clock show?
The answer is h=2 m=19 s=32
